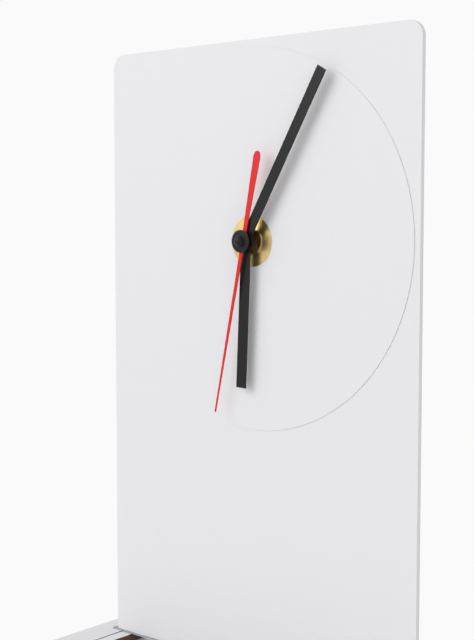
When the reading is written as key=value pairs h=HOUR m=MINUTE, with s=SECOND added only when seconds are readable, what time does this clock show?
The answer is h=6 m=5 s=32
